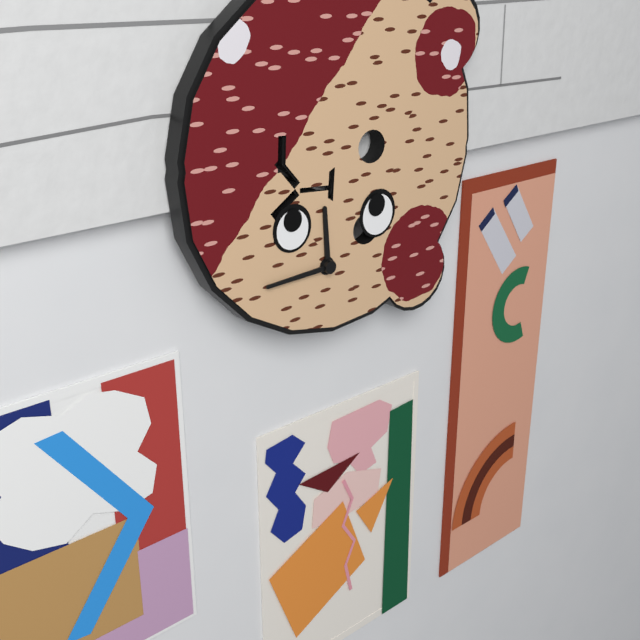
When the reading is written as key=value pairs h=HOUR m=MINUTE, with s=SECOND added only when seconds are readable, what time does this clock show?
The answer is h=11 m=44
